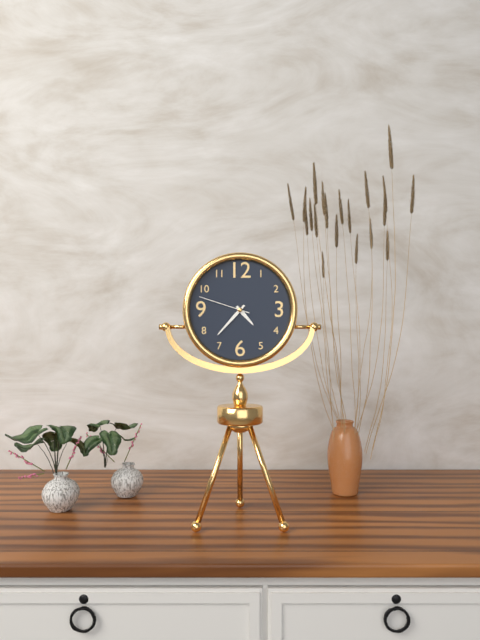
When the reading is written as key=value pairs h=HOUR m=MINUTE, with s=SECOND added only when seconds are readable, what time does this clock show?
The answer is h=4 m=37 s=48
